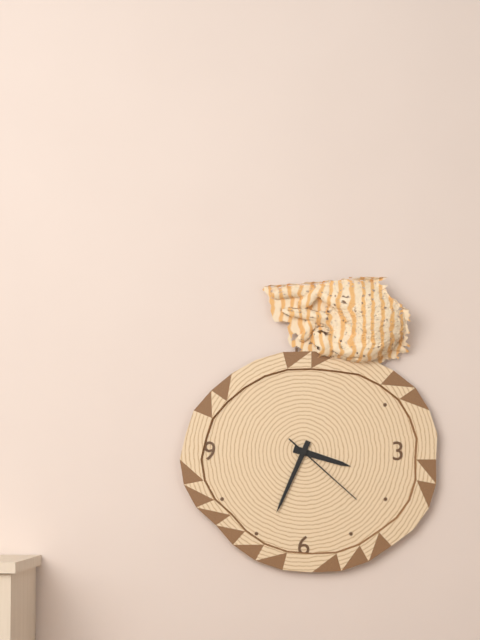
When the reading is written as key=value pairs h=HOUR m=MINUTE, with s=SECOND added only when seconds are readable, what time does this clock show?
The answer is h=3 m=34 s=22
